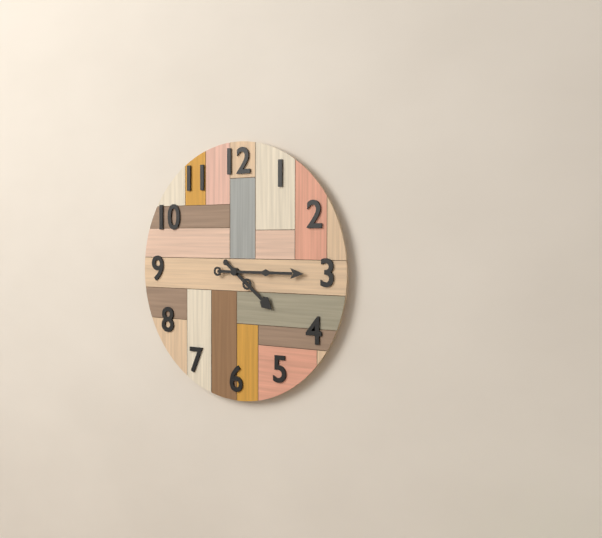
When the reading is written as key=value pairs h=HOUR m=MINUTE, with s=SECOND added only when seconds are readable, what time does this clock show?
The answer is h=4 m=15
